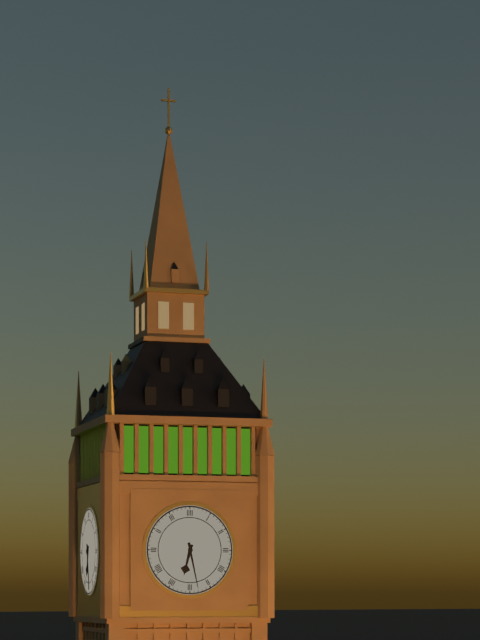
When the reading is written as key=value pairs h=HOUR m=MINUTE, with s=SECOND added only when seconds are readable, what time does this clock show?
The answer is h=6 m=28
